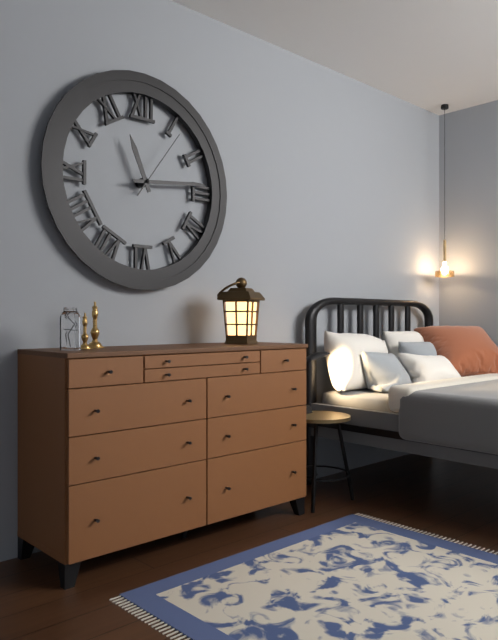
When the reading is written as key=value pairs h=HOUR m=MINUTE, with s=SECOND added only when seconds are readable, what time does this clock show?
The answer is h=11 m=14 s=6
